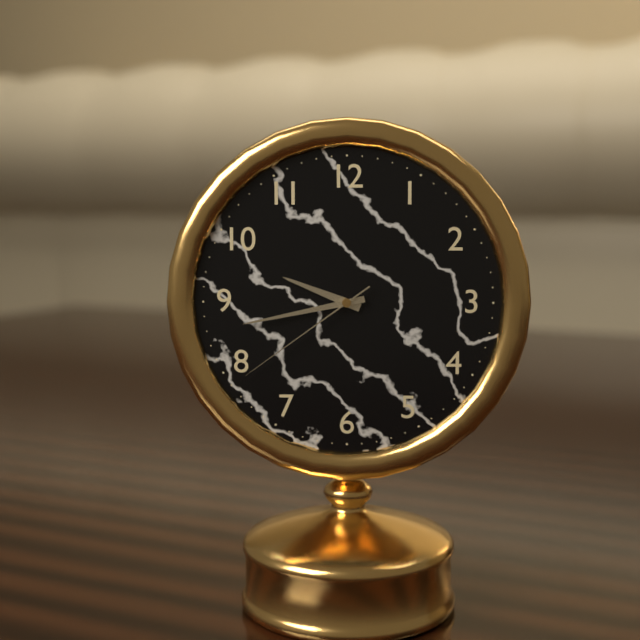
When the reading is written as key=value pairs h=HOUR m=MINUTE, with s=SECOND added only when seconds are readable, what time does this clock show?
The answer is h=9 m=43 s=39
